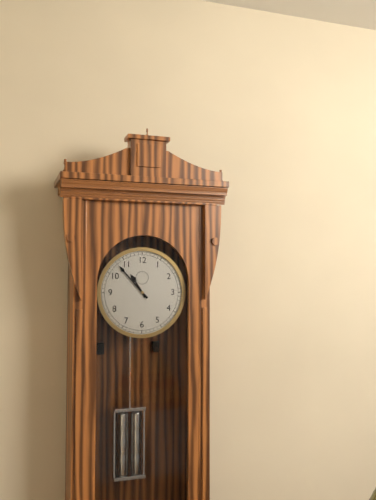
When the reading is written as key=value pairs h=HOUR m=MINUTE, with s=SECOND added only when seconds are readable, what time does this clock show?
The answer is h=10 m=53
